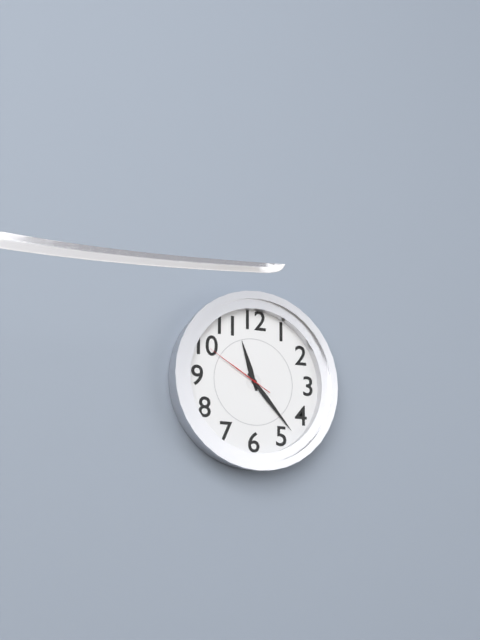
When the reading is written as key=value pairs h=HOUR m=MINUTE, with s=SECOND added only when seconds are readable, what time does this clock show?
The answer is h=11 m=23 s=50
